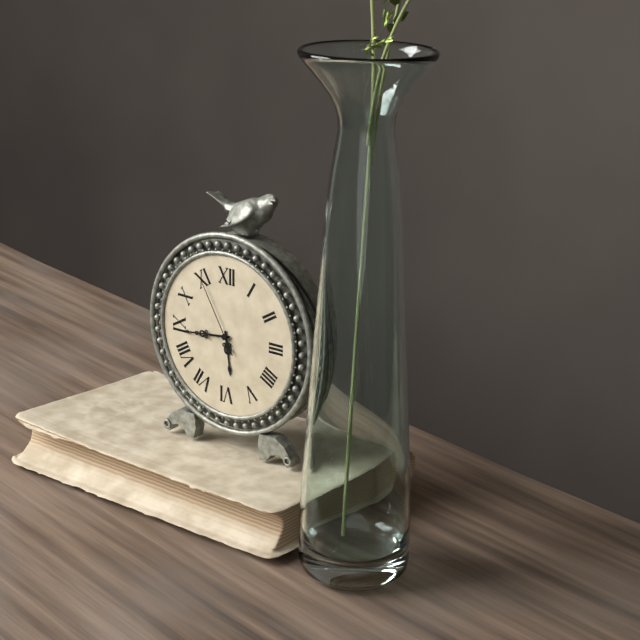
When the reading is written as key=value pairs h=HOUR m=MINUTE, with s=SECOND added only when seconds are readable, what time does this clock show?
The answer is h=5 m=44 s=55
